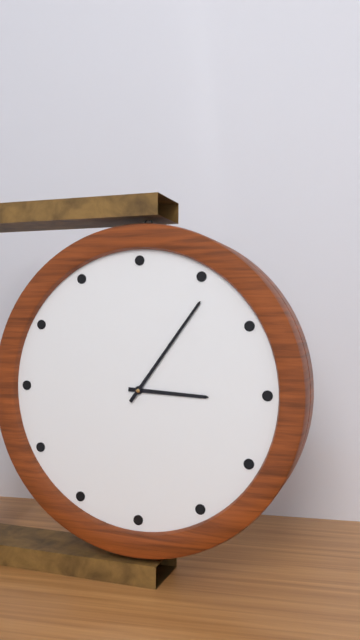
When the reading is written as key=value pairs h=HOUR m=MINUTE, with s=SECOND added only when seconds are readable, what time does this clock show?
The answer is h=3 m=6
